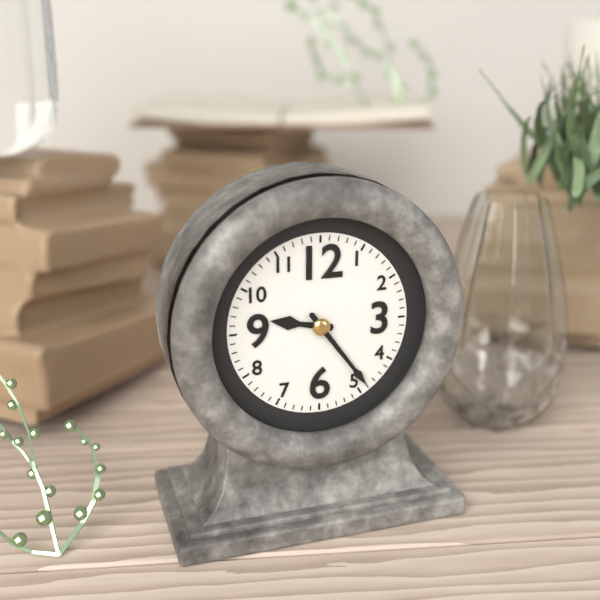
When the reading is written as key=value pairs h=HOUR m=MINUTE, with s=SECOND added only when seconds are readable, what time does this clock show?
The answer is h=9 m=24
